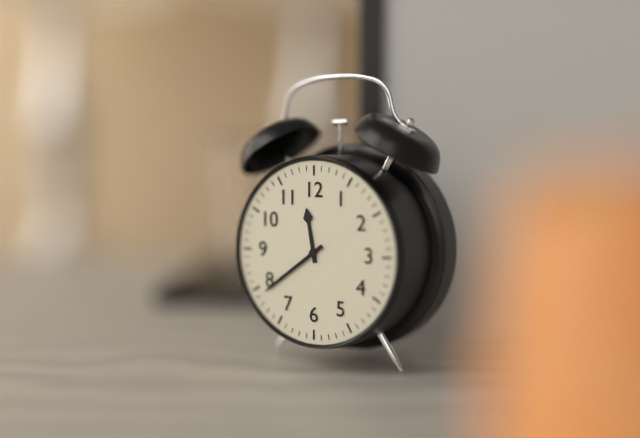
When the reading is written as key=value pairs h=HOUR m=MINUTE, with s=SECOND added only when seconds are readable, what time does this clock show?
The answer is h=11 m=39
